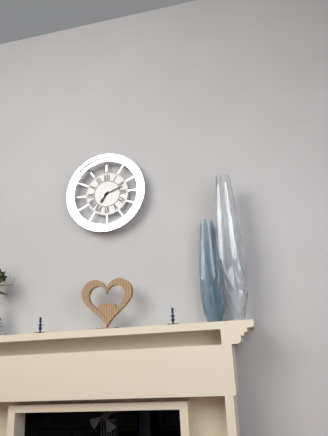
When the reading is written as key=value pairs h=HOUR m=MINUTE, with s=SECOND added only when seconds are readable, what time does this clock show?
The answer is h=7 m=12
